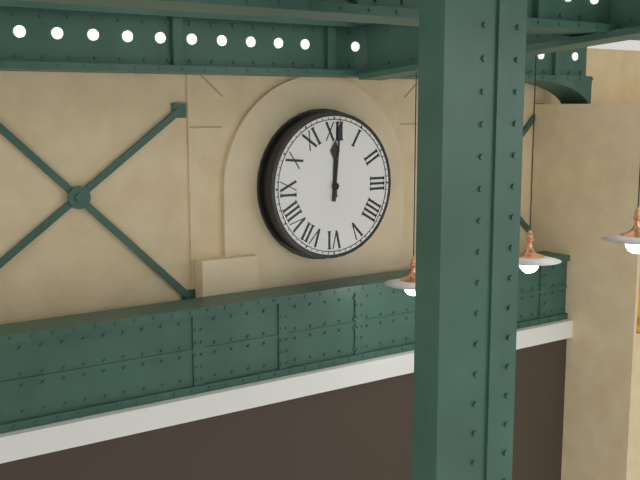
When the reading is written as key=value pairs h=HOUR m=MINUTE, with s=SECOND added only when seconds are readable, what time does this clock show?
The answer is h=12 m=1
